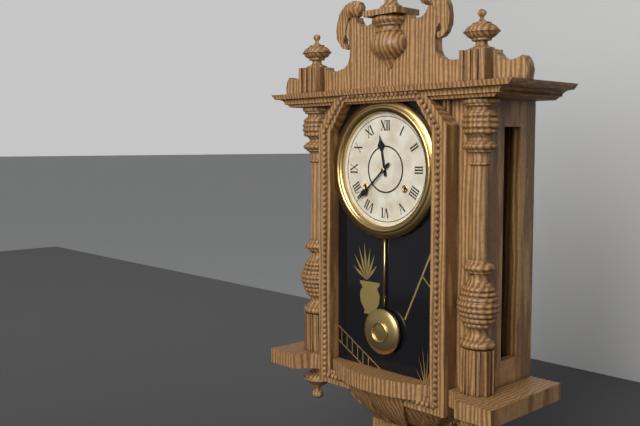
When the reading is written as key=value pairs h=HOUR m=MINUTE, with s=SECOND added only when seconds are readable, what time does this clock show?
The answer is h=11 m=38
